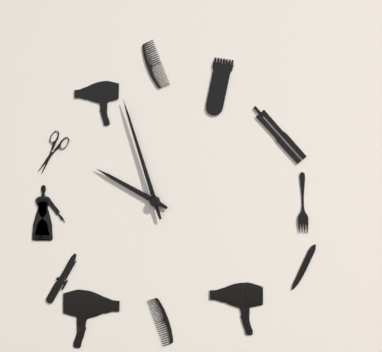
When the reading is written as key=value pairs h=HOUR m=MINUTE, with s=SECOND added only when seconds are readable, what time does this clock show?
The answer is h=9 m=57
